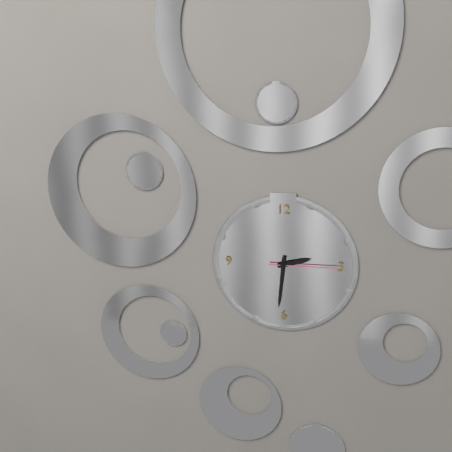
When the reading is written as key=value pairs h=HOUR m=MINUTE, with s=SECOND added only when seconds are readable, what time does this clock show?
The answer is h=2 m=31 s=15
